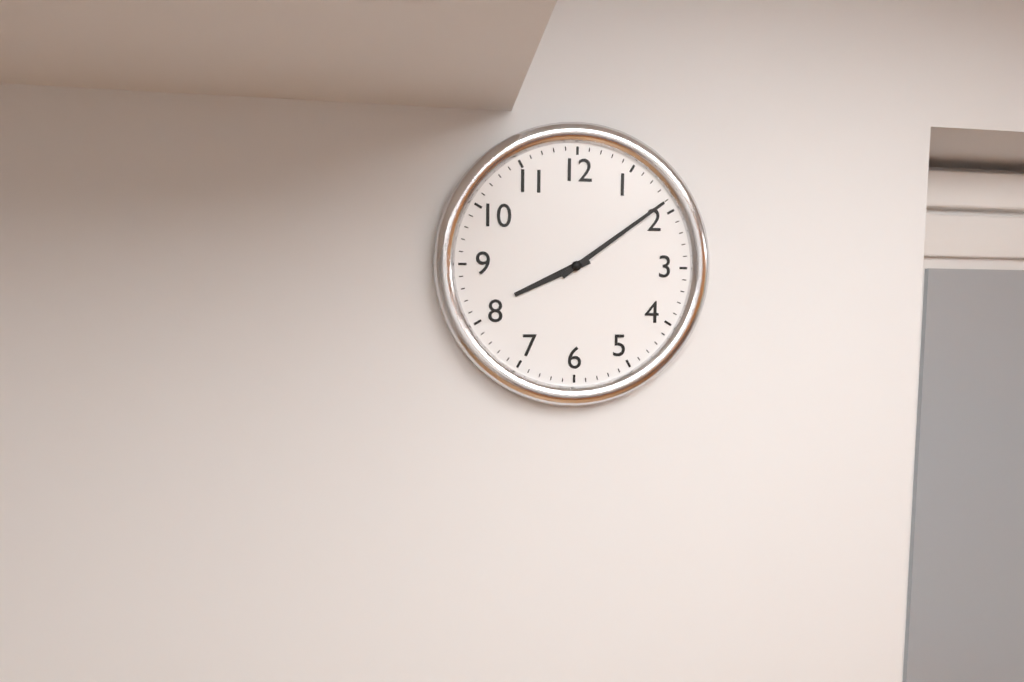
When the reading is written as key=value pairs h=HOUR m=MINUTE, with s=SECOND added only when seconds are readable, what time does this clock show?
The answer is h=8 m=9
